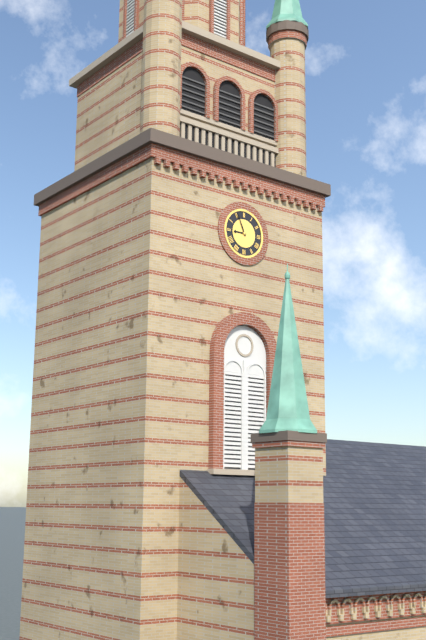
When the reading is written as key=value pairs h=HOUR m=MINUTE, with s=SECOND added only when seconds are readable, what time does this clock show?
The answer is h=8 m=56
